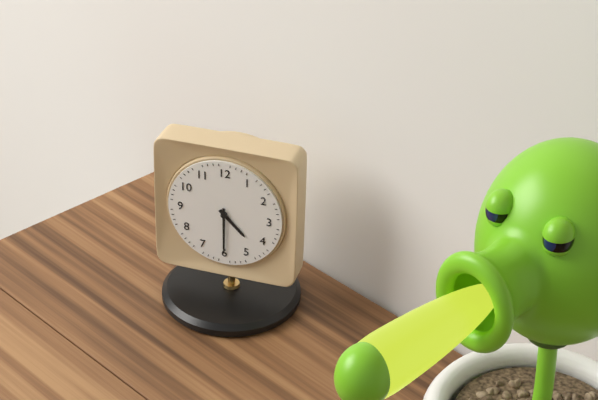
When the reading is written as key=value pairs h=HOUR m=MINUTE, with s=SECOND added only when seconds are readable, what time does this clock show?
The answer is h=4 m=30
